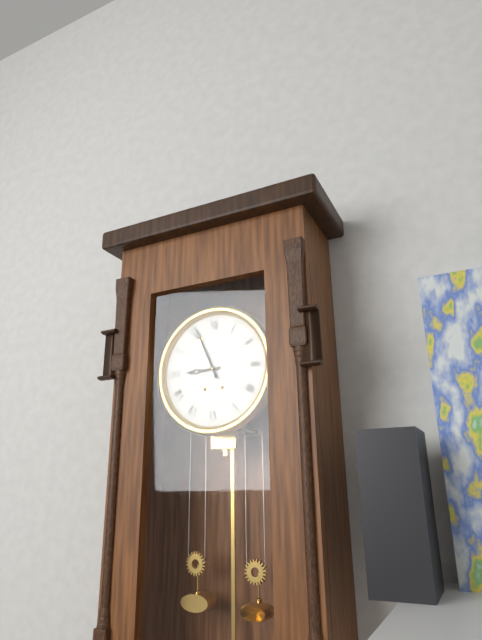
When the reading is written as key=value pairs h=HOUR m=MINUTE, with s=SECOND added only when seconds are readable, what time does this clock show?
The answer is h=8 m=56
